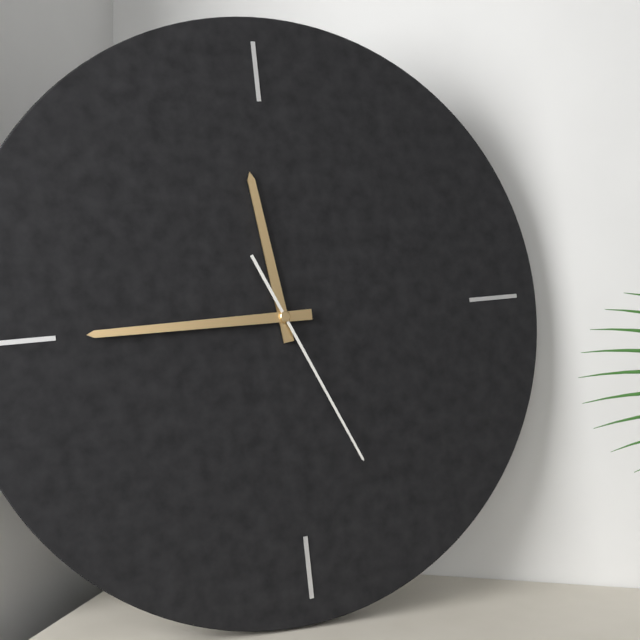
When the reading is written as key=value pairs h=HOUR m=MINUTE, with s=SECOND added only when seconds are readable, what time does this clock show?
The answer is h=11 m=45 s=26
